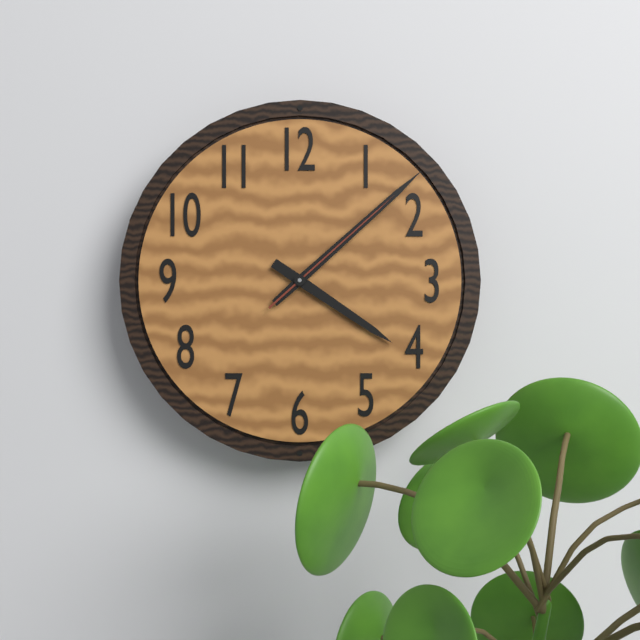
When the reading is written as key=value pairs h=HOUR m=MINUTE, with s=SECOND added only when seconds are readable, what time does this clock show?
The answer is h=4 m=8 s=8
